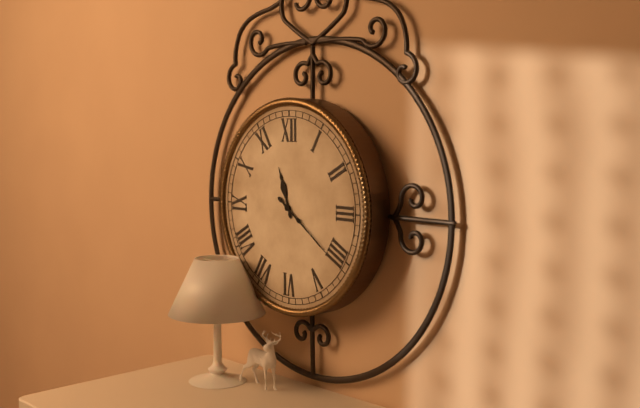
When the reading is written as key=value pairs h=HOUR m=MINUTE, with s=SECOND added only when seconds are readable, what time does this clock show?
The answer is h=11 m=21
